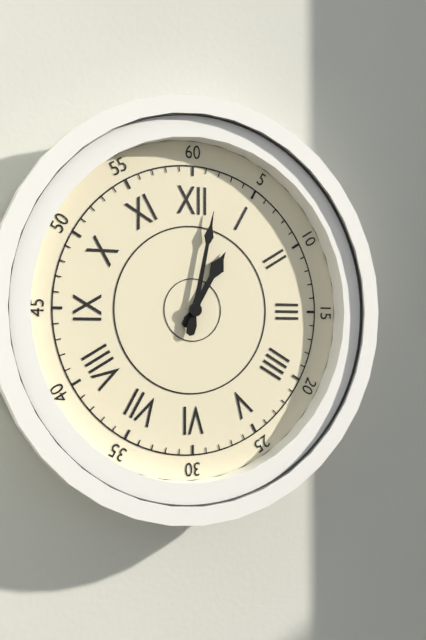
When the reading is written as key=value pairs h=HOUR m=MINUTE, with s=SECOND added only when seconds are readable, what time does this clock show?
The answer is h=1 m=2
